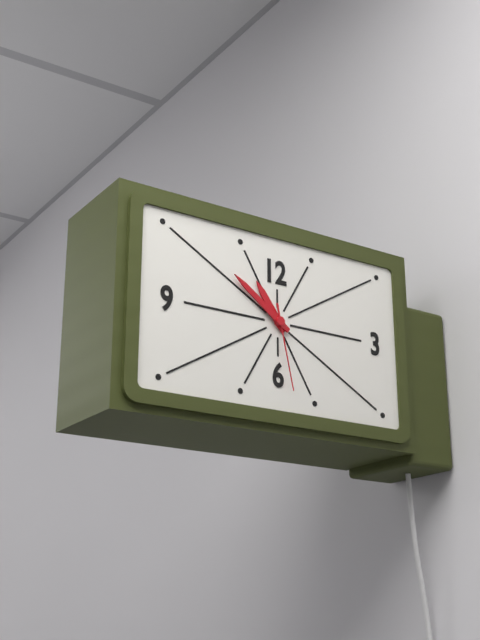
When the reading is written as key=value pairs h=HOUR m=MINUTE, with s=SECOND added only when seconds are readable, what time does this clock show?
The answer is h=10 m=51 s=28
